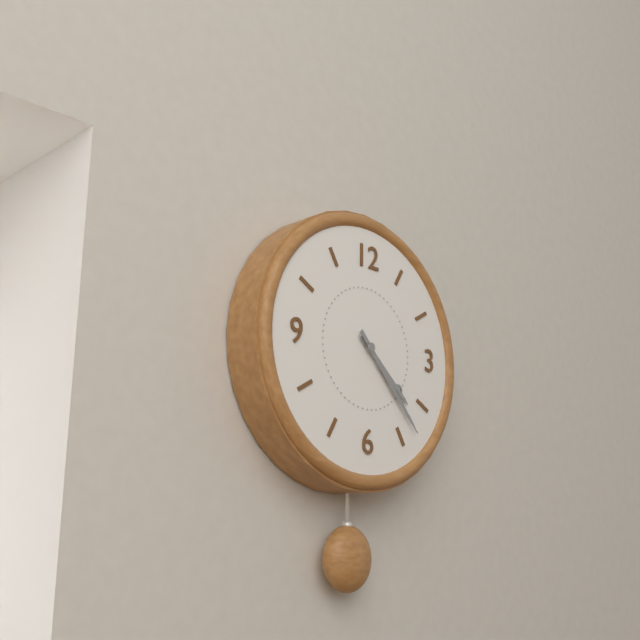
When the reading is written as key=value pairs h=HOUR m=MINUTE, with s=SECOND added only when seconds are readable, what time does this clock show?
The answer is h=4 m=23
